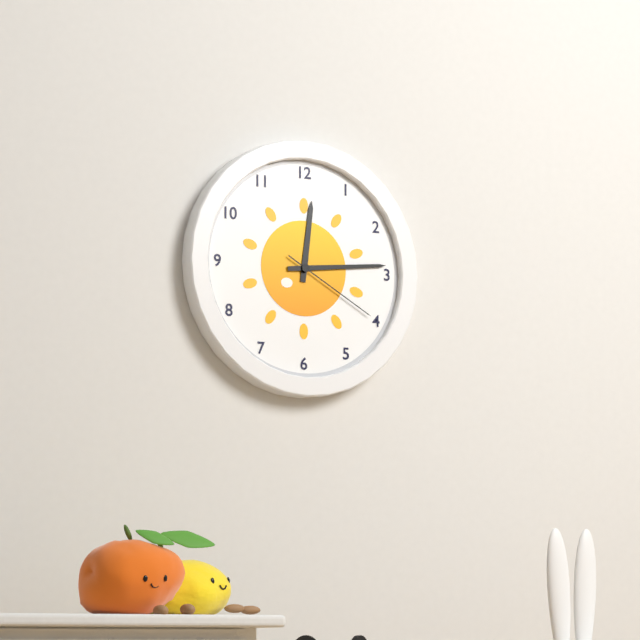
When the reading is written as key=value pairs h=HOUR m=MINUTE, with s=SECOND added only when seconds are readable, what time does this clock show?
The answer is h=12 m=14 s=20
